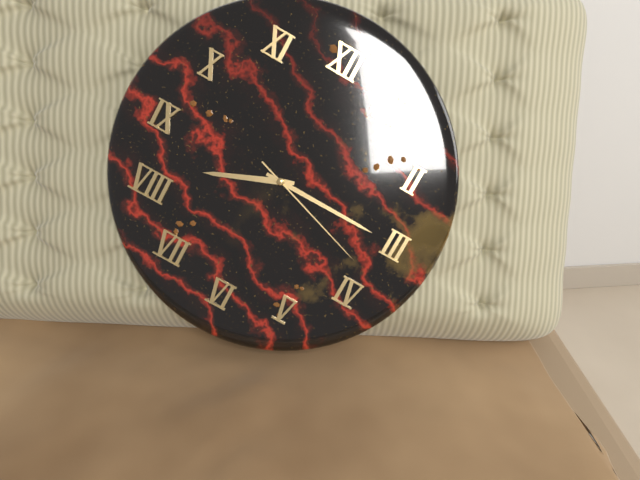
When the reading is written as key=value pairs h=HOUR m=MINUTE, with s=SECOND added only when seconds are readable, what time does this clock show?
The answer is h=8 m=15 s=18
